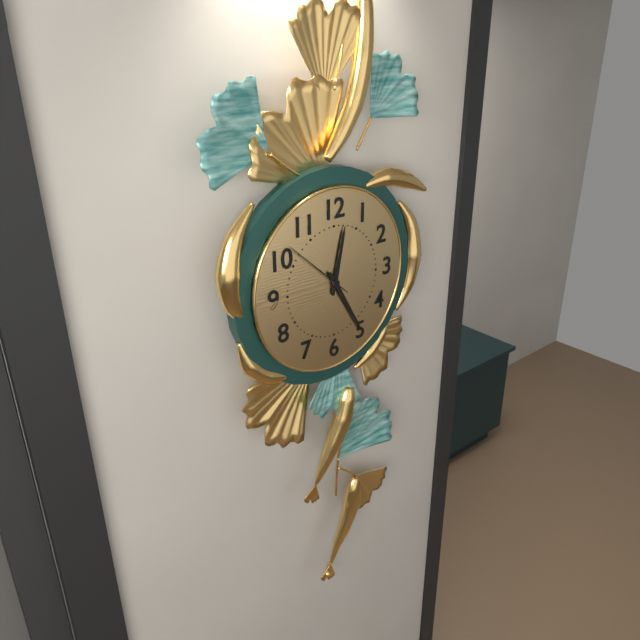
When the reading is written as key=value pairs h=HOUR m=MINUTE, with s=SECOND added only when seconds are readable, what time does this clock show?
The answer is h=12 m=25 s=52
